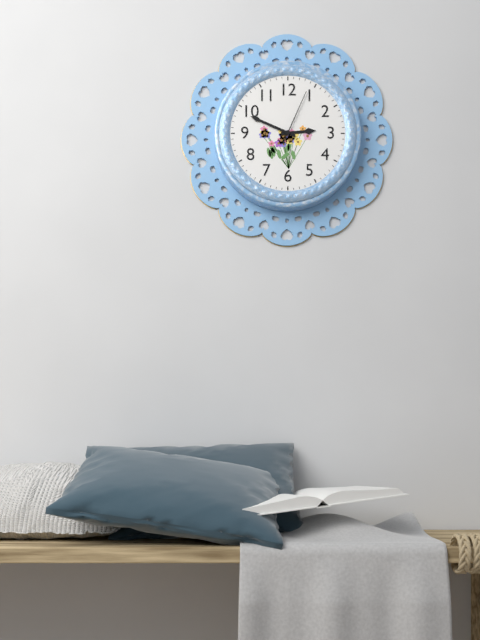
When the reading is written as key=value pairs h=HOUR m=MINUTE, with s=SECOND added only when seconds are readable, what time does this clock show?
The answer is h=2 m=49 s=4
